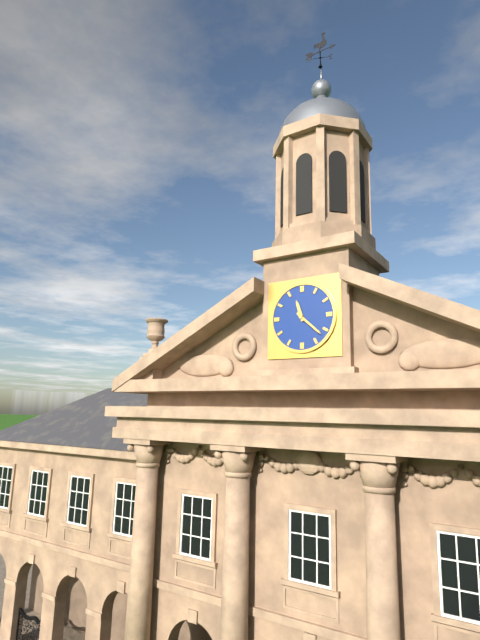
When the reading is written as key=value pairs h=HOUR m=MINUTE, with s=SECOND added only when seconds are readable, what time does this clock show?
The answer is h=11 m=22
